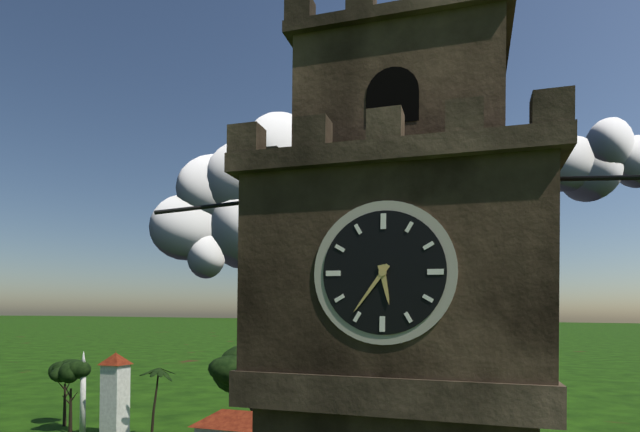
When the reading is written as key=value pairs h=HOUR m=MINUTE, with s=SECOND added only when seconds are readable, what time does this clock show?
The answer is h=5 m=36
